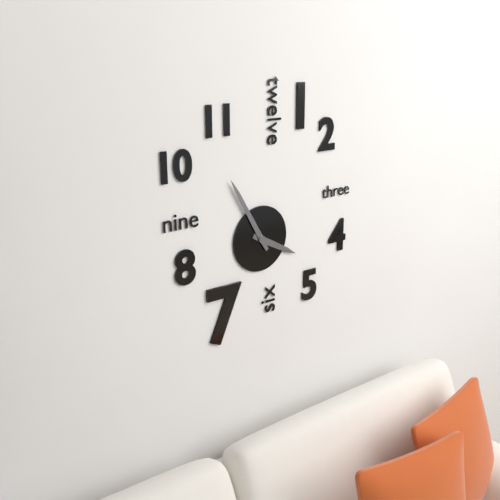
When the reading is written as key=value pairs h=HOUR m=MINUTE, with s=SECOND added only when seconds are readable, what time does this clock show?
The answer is h=3 m=55
